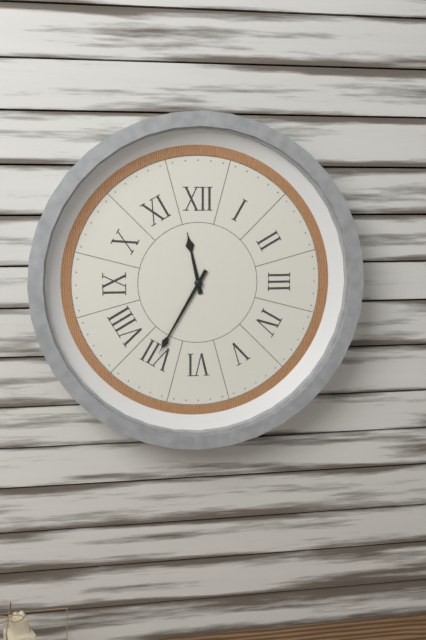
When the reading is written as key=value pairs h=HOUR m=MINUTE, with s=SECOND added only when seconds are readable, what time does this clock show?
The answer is h=11 m=35
